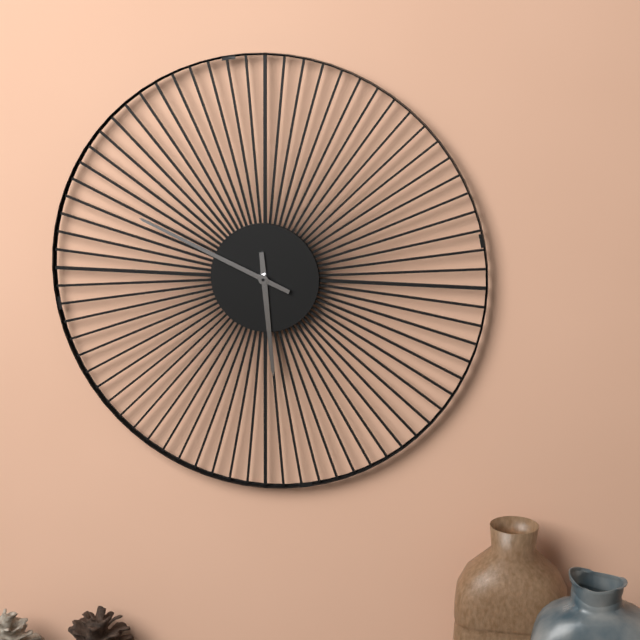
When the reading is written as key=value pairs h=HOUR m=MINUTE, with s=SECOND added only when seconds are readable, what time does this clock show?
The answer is h=5 m=49
